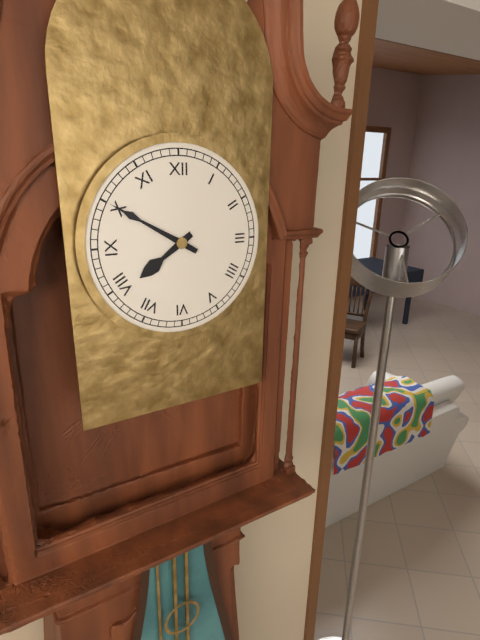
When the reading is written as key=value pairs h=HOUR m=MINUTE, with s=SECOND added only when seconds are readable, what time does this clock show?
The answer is h=7 m=50
